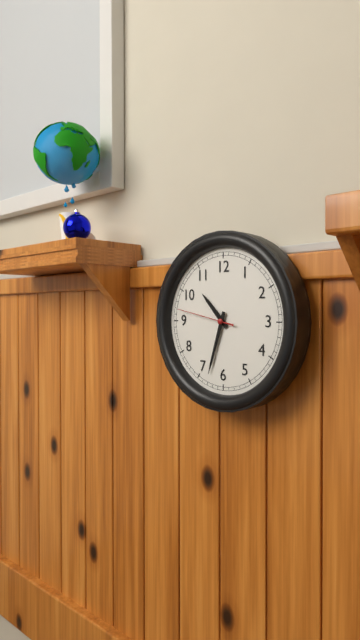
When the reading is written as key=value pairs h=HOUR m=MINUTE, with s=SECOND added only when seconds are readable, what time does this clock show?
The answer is h=10 m=33 s=47
